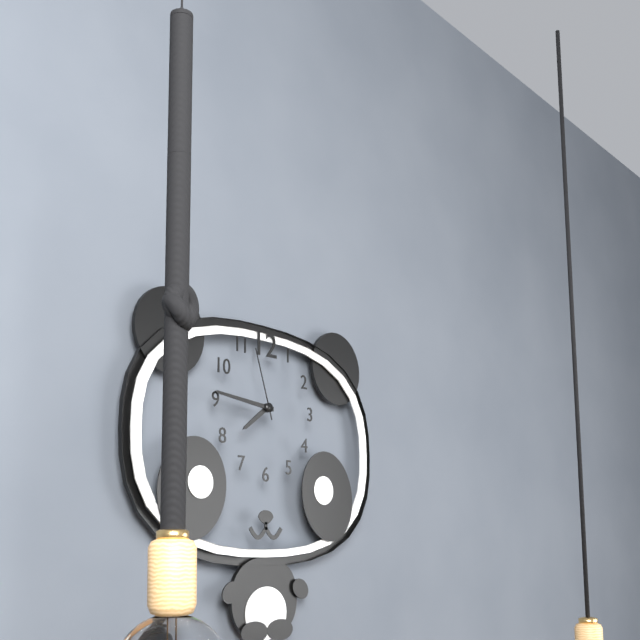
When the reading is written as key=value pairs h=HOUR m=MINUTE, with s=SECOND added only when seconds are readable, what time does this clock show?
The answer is h=7 m=46 s=57
